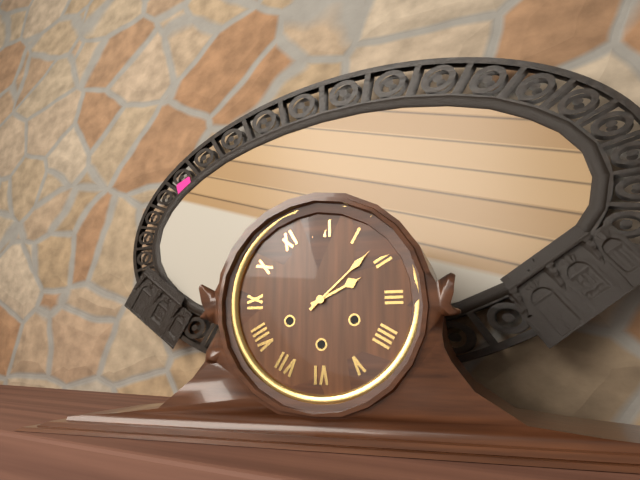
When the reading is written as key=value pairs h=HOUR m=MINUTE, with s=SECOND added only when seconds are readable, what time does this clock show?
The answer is h=2 m=8
